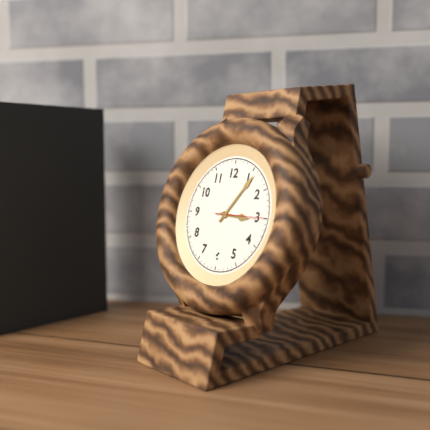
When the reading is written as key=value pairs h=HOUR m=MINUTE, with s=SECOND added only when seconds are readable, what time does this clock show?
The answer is h=3 m=6
